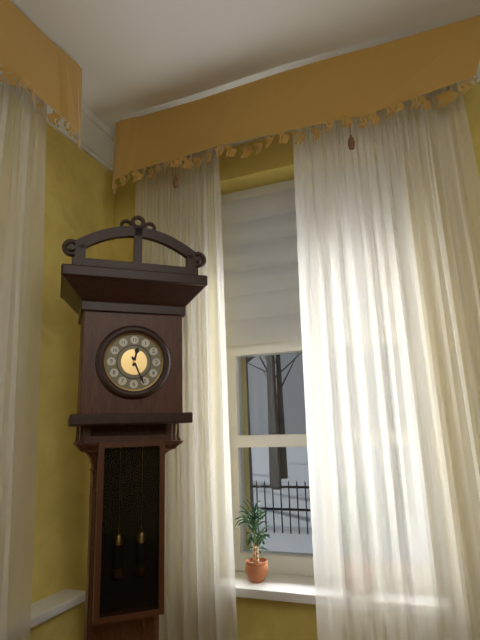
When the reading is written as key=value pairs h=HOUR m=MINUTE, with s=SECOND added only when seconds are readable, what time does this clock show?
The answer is h=12 m=26
